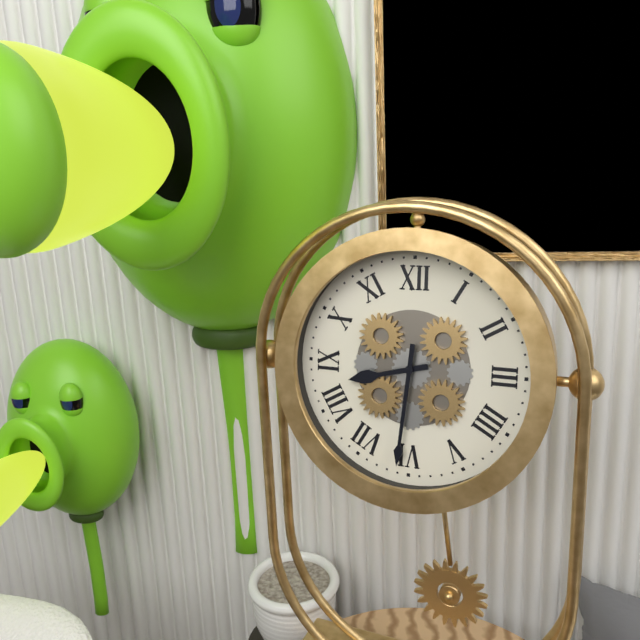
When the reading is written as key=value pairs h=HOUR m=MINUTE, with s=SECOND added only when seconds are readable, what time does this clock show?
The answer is h=8 m=31
